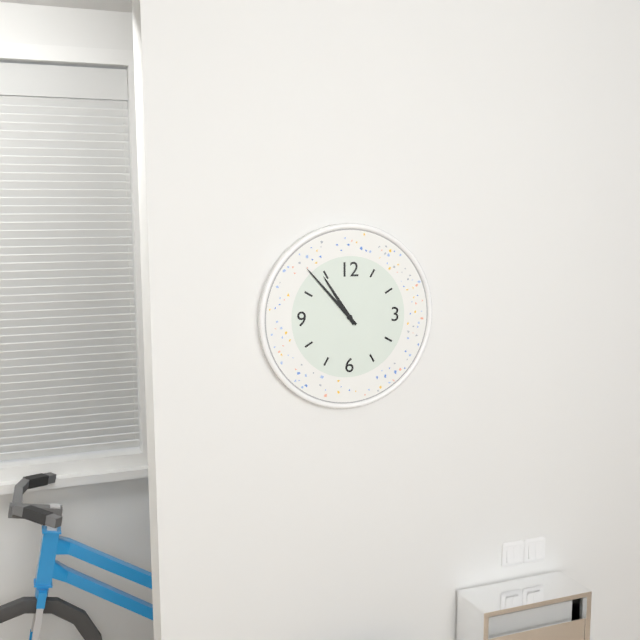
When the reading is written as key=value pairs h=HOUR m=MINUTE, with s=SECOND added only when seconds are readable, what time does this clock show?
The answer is h=10 m=53
